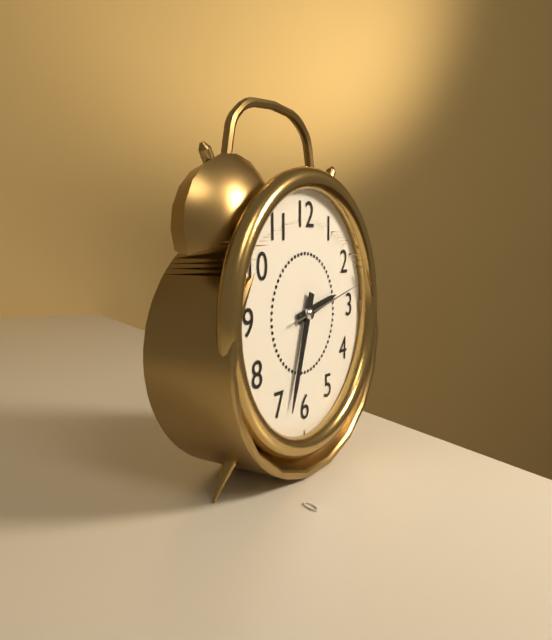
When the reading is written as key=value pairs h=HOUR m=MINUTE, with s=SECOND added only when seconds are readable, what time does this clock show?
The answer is h=2 m=33 s=13
